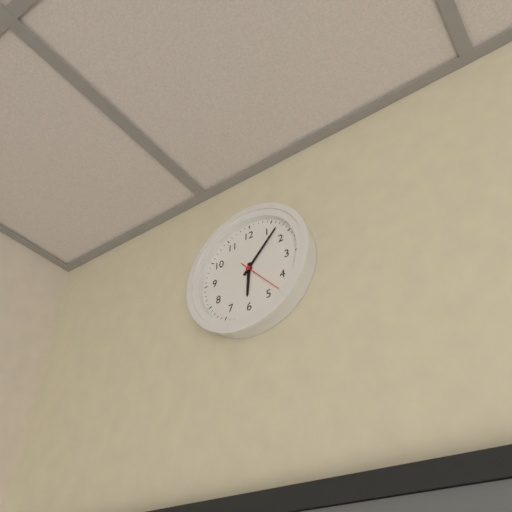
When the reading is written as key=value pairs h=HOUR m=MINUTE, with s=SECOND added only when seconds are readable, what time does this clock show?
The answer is h=6 m=7
